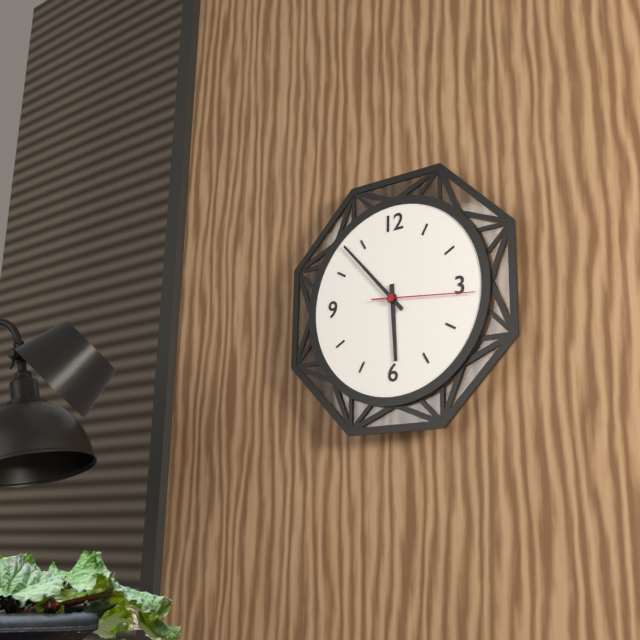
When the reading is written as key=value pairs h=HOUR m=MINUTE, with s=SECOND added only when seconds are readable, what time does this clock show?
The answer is h=5 m=53 s=16
